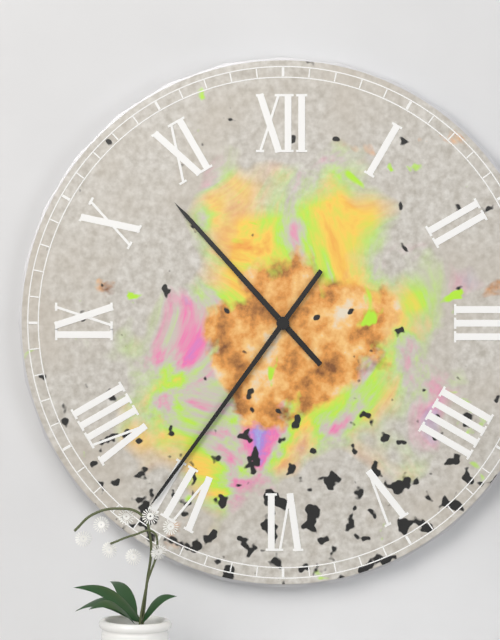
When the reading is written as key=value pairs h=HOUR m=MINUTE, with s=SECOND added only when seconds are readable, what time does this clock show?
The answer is h=10 m=36
